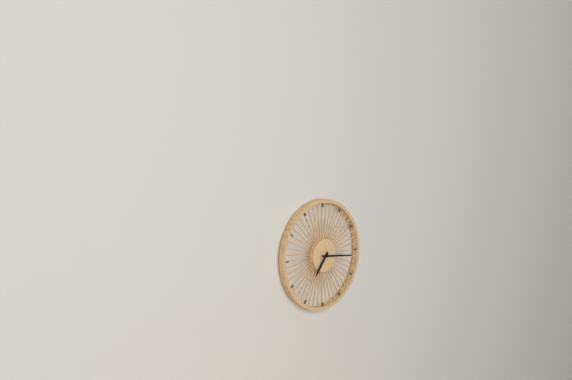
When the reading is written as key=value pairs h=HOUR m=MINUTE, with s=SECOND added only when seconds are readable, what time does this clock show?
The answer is h=7 m=16
